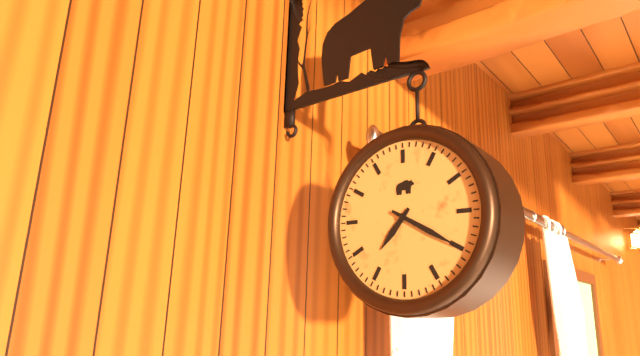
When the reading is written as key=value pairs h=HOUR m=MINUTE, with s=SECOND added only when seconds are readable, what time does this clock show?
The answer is h=7 m=20
